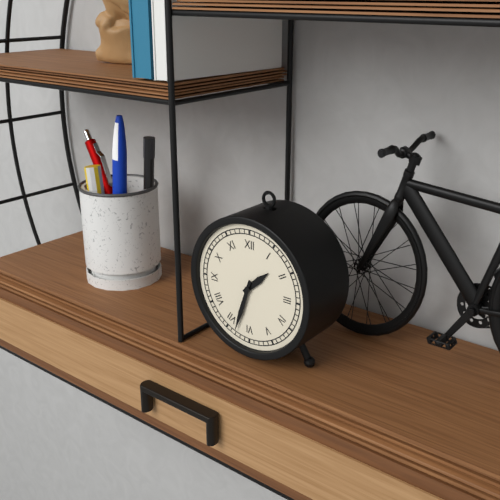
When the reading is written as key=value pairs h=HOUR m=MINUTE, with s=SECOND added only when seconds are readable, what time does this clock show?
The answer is h=1 m=33
